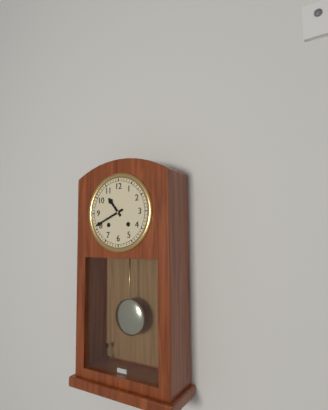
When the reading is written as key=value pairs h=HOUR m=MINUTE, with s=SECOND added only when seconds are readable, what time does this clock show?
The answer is h=10 m=41
